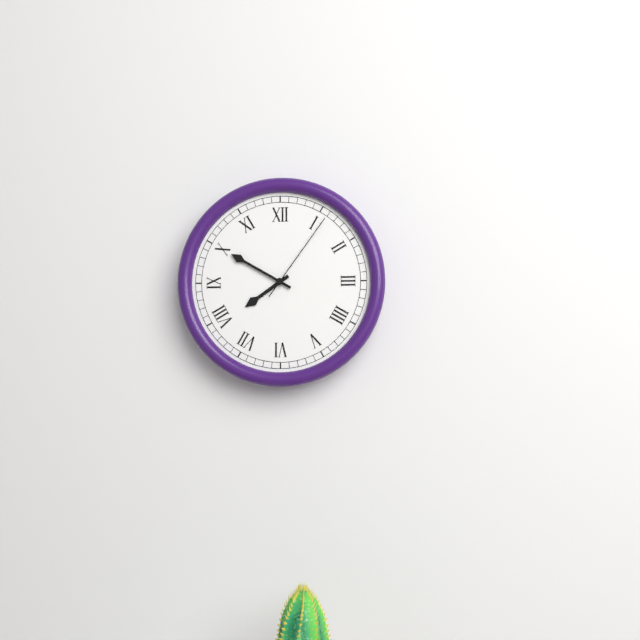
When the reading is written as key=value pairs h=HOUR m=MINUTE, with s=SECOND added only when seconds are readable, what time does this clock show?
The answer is h=7 m=50 s=6
